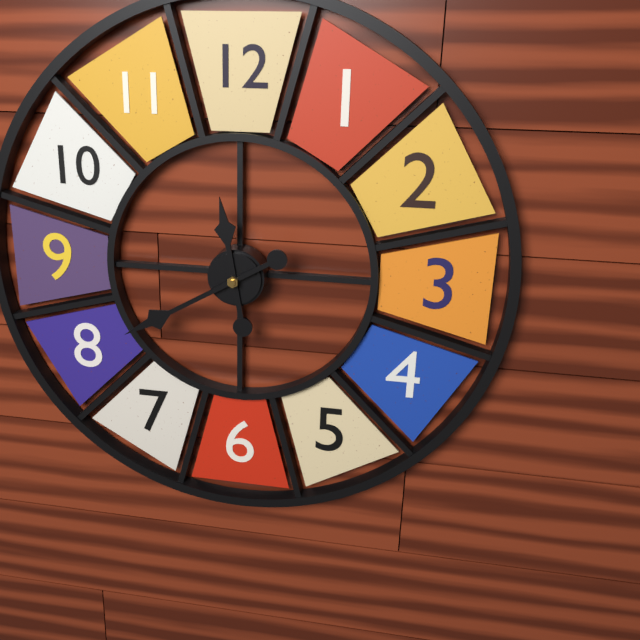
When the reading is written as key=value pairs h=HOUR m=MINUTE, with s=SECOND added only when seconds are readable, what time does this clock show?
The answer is h=11 m=40
